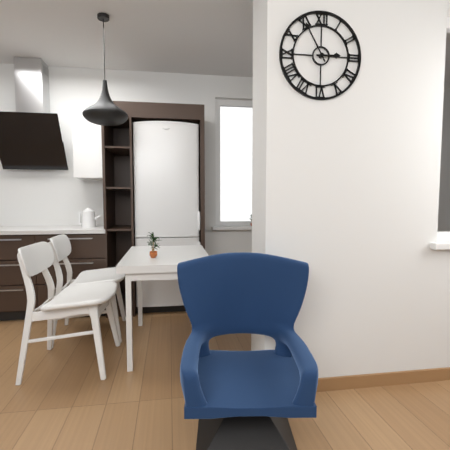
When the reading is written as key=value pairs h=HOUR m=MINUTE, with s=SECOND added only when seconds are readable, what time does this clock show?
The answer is h=2 m=55
